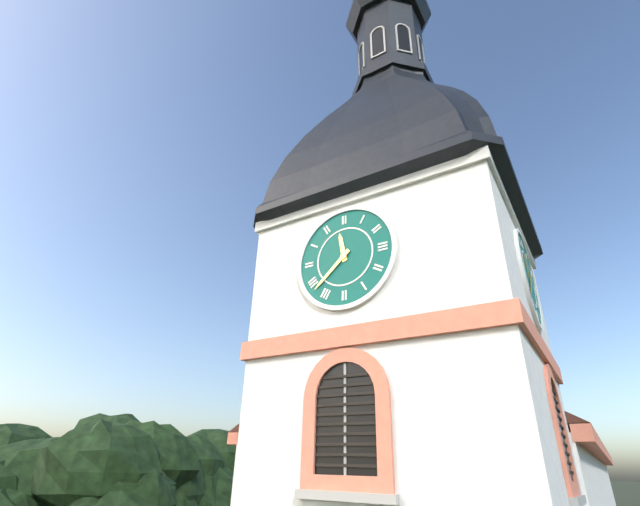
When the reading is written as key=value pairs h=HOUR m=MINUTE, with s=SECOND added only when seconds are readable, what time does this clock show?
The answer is h=11 m=38
